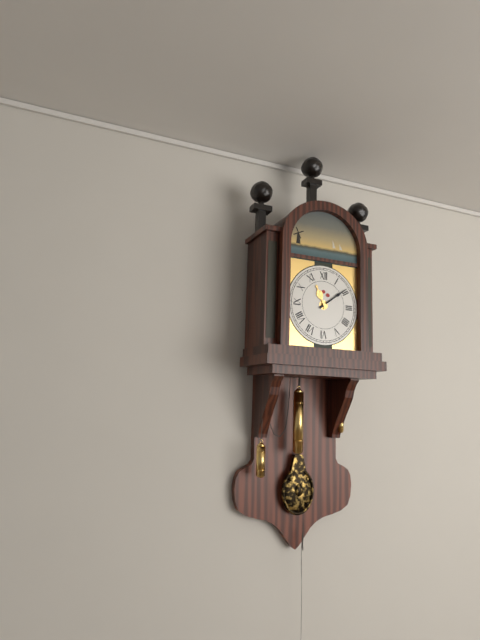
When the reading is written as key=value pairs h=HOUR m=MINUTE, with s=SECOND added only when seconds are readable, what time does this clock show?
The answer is h=11 m=9
